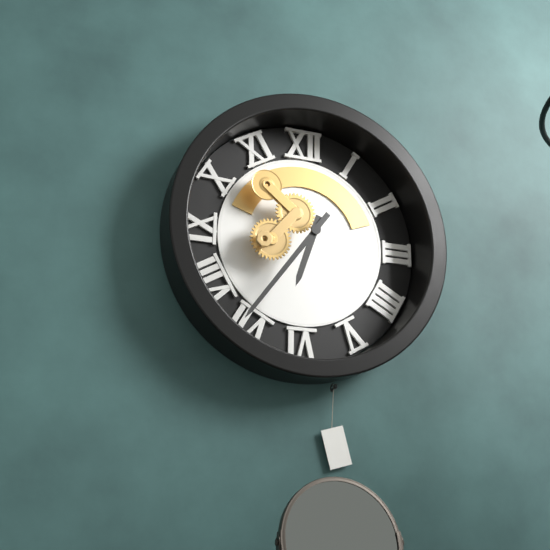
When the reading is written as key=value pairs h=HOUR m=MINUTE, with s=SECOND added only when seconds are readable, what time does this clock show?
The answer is h=6 m=36
